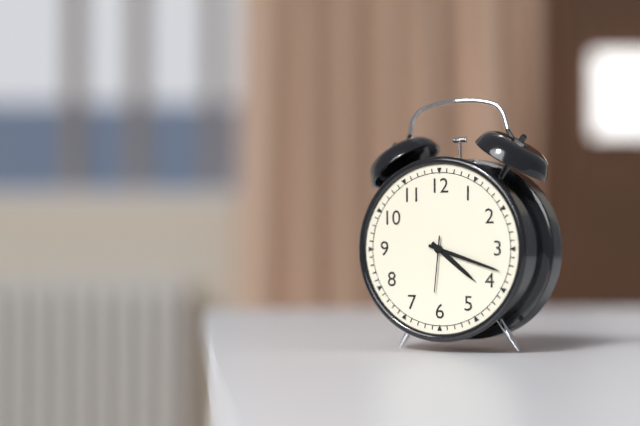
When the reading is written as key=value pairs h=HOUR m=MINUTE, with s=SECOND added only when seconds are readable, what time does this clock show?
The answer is h=4 m=18 s=31
